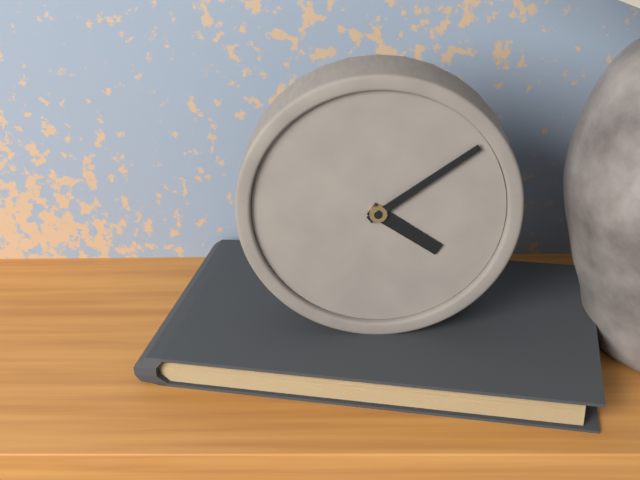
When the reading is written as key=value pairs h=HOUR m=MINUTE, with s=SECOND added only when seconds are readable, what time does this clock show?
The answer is h=4 m=9
